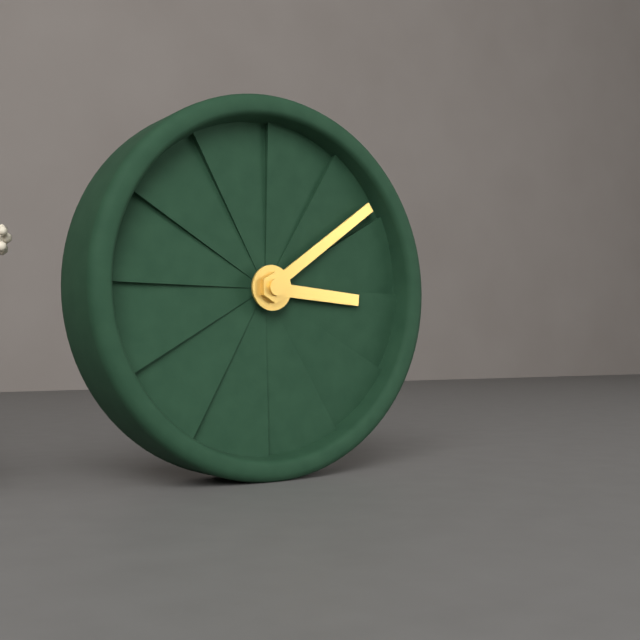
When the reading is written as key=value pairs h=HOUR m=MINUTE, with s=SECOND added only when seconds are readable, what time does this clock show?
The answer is h=3 m=9
